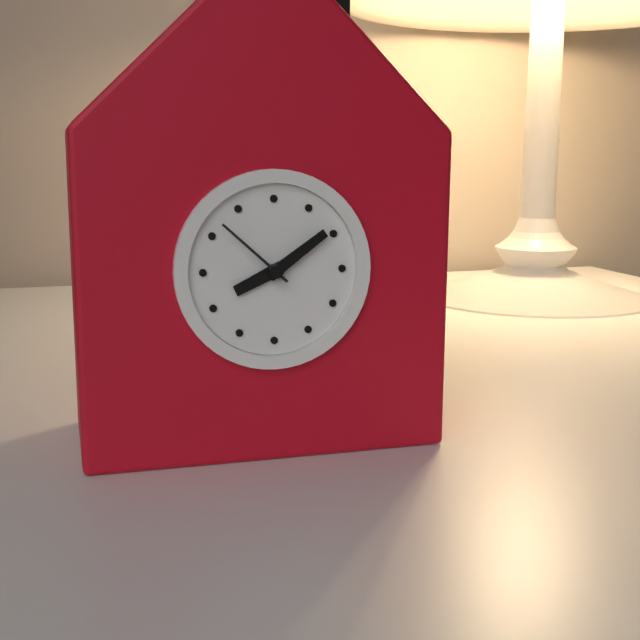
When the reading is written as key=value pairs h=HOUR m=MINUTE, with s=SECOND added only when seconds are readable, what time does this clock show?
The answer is h=8 m=9 s=52
